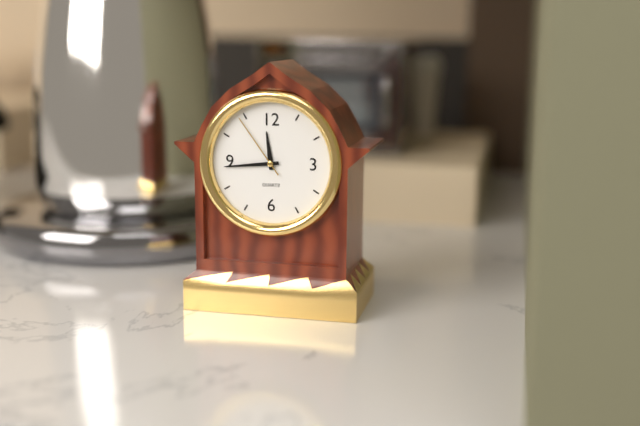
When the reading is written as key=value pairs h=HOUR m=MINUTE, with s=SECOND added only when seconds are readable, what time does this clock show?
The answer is h=11 m=44 s=54
